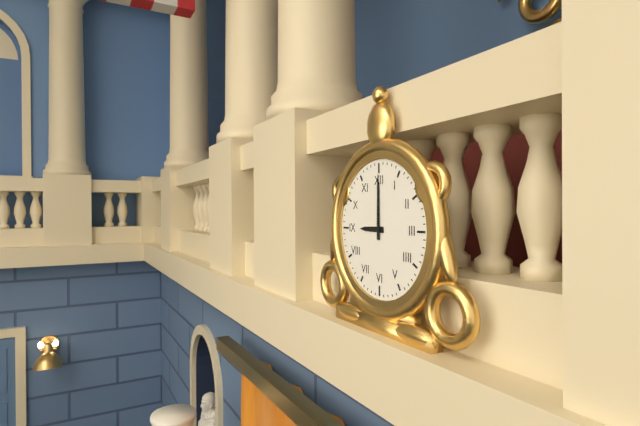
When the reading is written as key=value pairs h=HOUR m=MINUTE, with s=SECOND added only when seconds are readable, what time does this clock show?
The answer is h=9 m=0
